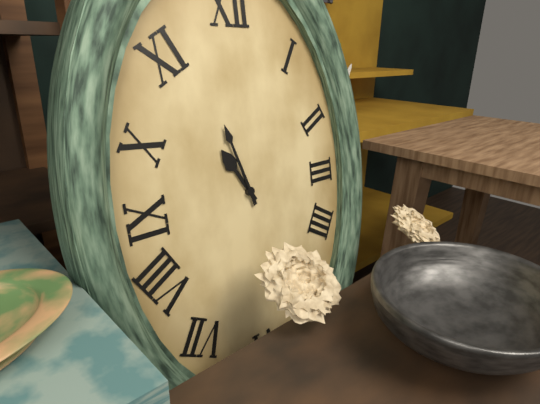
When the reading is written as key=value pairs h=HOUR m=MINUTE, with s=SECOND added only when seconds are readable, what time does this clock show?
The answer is h=10 m=57
